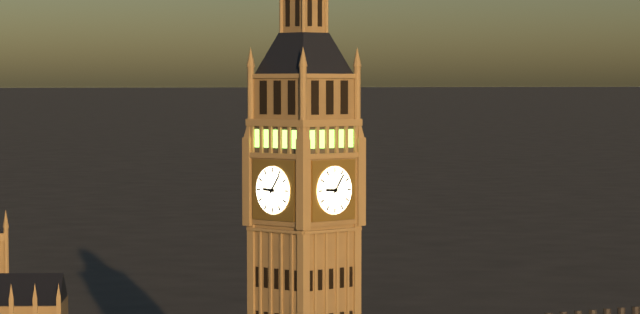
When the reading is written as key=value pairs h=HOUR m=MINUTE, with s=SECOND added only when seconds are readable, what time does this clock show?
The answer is h=9 m=6
